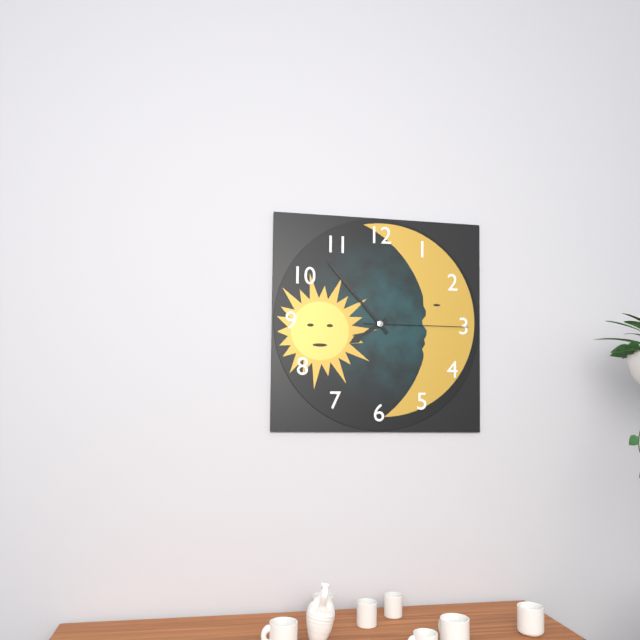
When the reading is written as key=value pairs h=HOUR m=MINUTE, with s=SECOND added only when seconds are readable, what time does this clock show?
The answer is h=7 m=53 s=15
